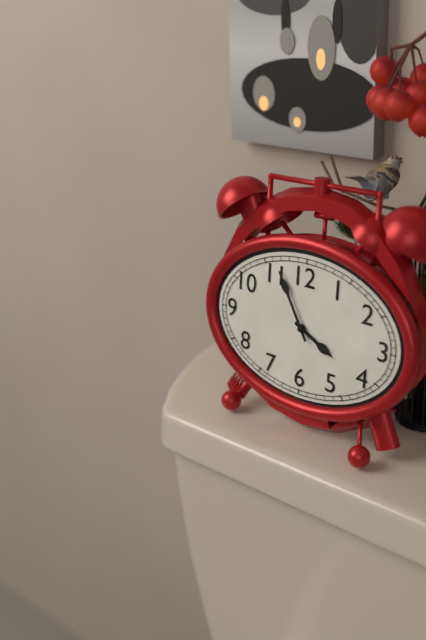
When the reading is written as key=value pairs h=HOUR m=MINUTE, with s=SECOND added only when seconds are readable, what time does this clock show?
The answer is h=3 m=55
